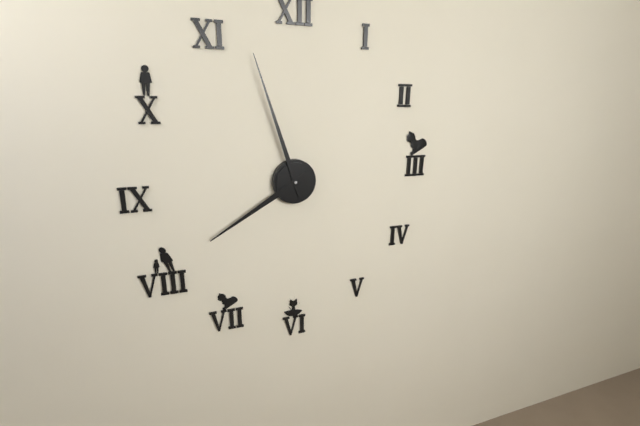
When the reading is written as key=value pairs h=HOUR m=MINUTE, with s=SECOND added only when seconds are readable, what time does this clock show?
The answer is h=7 m=57
